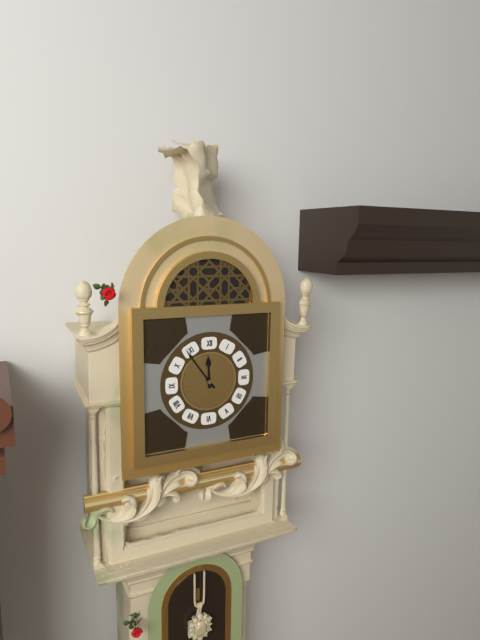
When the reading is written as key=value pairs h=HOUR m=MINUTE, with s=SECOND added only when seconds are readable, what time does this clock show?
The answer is h=11 m=54
